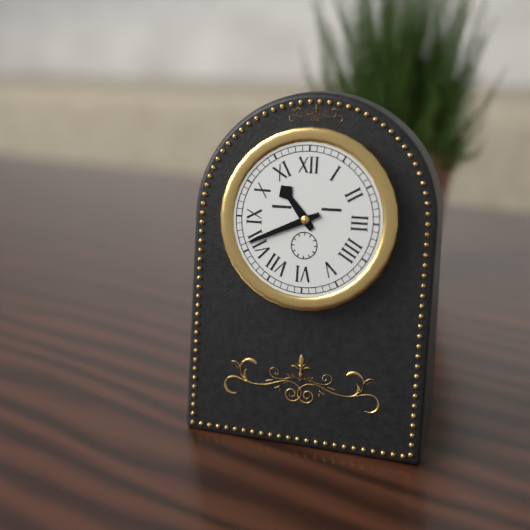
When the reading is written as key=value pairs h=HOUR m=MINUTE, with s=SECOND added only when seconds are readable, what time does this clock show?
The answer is h=10 m=41
